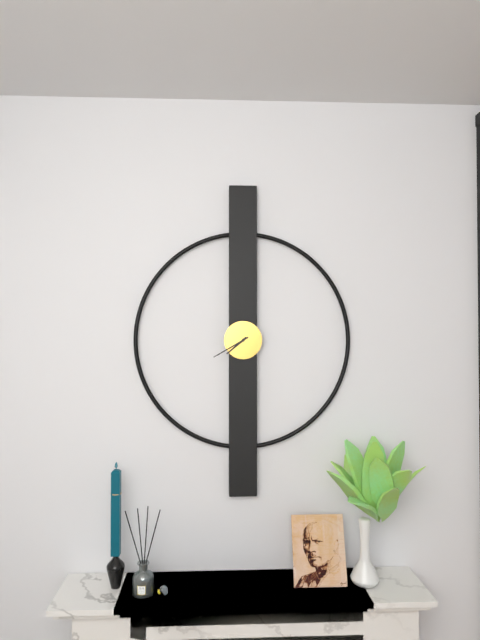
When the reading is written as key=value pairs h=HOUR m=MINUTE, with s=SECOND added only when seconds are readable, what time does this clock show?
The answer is h=7 m=40
